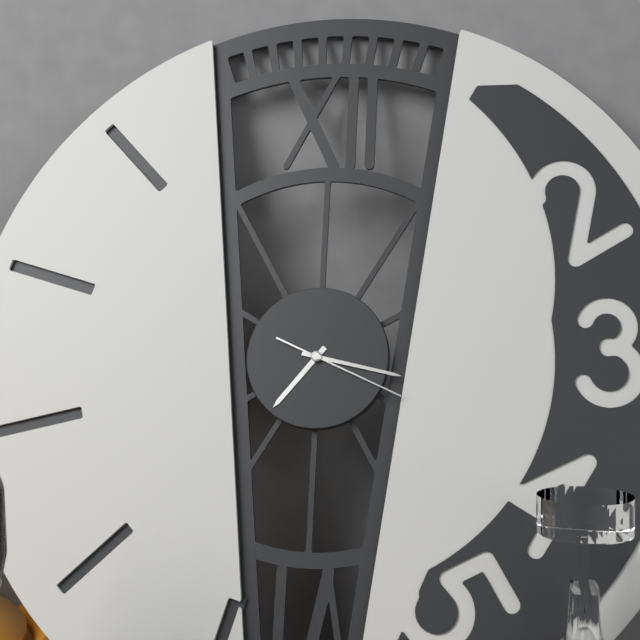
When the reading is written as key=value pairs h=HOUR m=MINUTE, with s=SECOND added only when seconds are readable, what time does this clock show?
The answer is h=7 m=17 s=19
